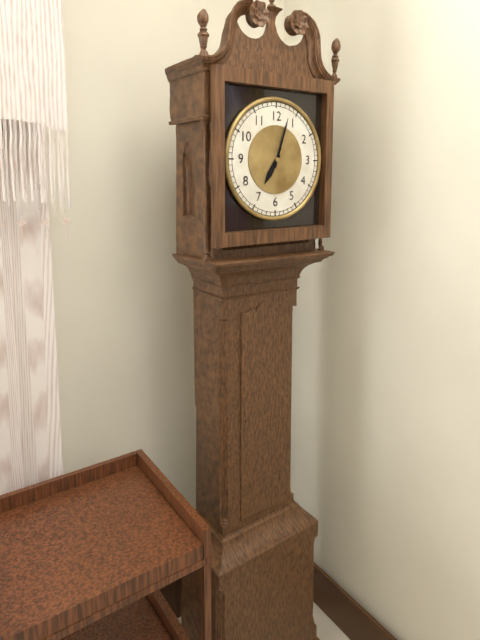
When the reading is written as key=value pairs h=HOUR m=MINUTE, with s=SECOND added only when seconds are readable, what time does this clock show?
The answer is h=7 m=3
